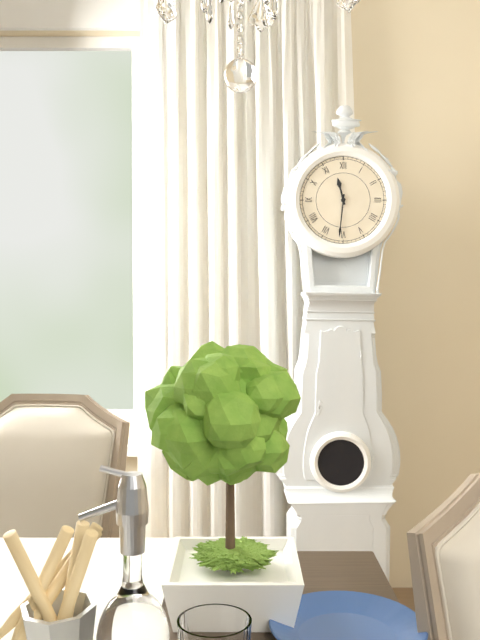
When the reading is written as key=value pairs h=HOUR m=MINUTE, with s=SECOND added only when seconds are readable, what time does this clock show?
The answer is h=11 m=31
